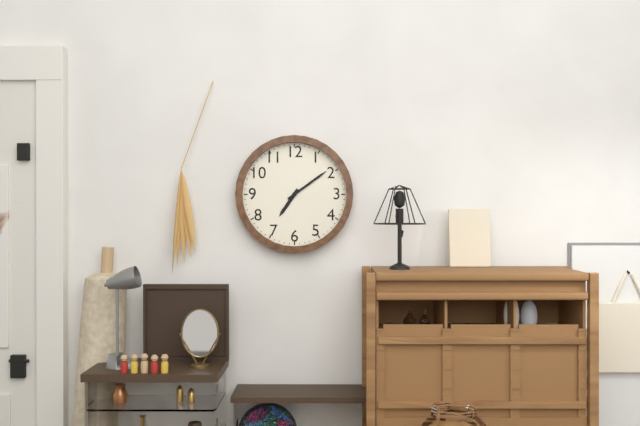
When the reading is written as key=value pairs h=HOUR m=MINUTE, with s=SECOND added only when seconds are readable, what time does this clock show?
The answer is h=7 m=9
